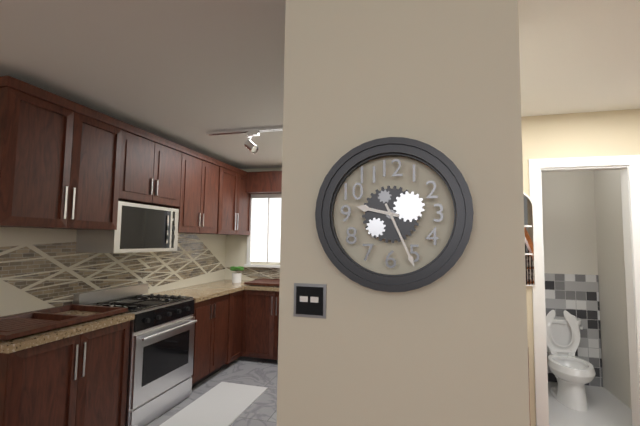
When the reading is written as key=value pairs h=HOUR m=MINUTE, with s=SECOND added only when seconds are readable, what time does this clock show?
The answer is h=9 m=26
